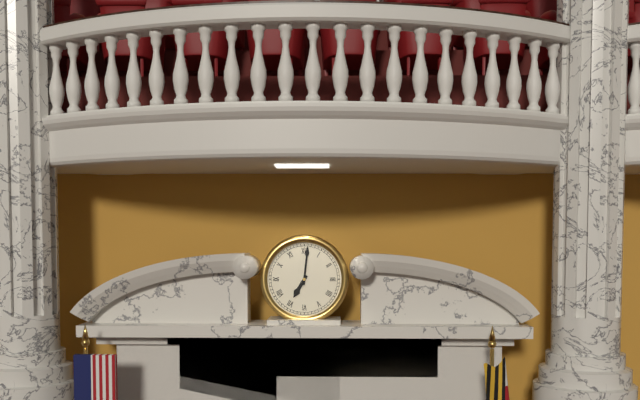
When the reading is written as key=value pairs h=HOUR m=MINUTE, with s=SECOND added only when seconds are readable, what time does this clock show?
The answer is h=7 m=1
